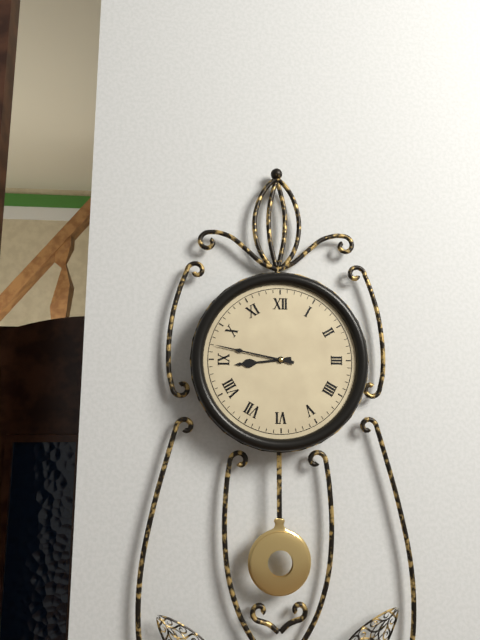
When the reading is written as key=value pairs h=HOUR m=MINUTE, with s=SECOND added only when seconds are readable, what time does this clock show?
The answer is h=8 m=47
